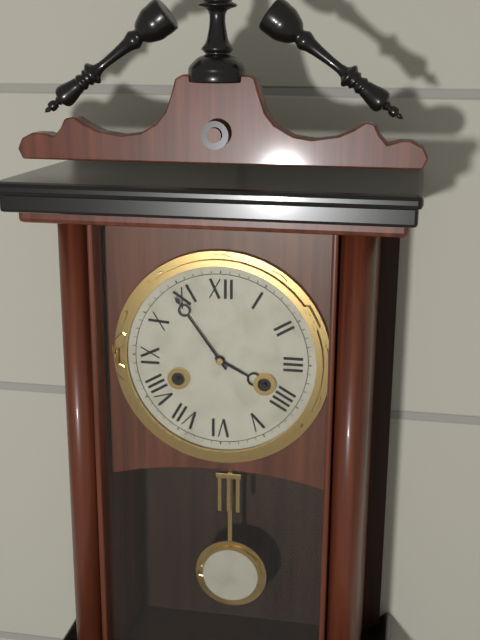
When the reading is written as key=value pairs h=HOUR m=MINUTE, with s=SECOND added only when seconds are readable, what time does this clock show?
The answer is h=3 m=54
